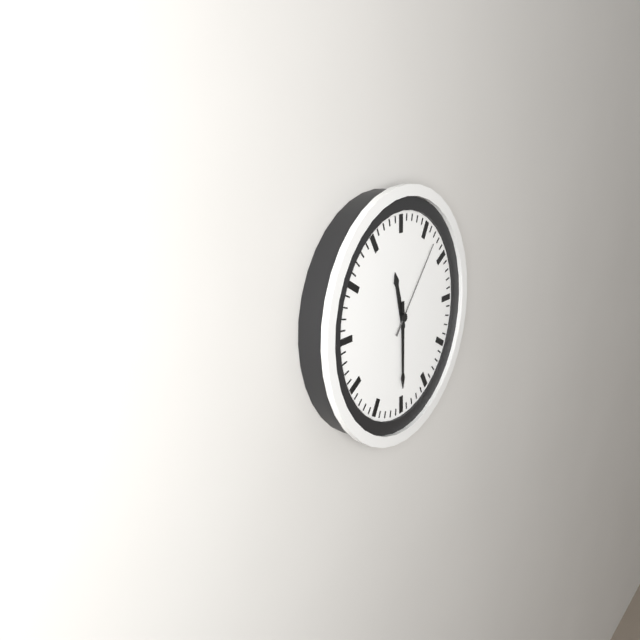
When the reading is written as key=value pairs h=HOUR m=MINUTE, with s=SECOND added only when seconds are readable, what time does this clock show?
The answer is h=11 m=30 s=7
